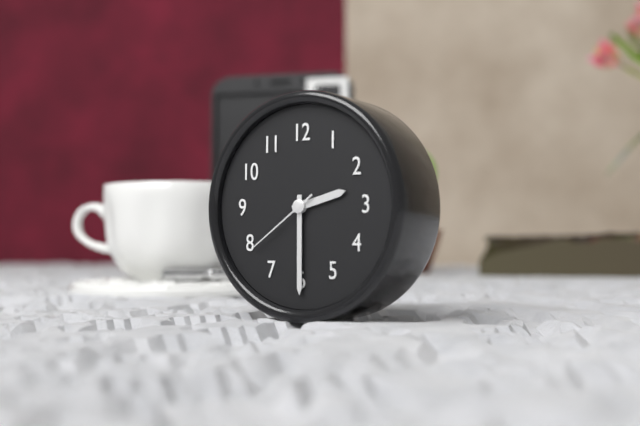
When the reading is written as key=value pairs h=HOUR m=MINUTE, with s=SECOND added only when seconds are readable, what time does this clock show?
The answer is h=2 m=30 s=39
